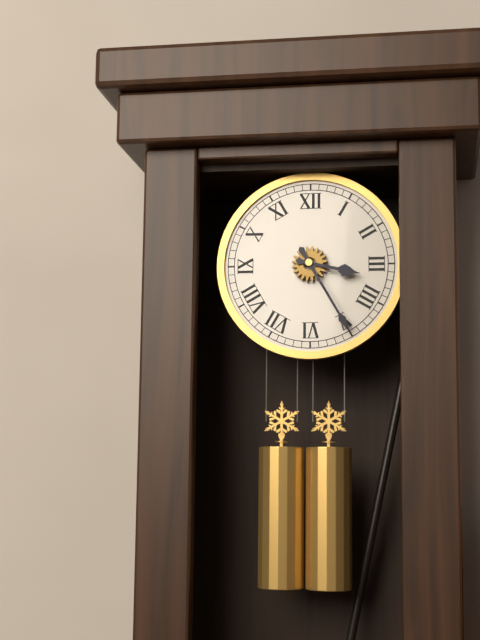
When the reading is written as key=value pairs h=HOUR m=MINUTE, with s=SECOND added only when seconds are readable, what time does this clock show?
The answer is h=3 m=25
